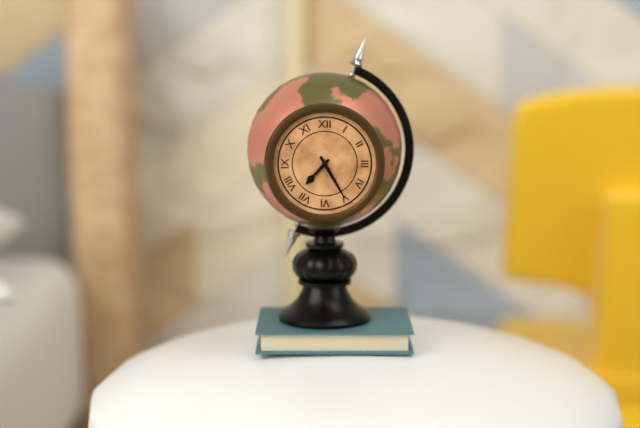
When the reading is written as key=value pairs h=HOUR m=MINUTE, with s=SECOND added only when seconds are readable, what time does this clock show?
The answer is h=7 m=25
